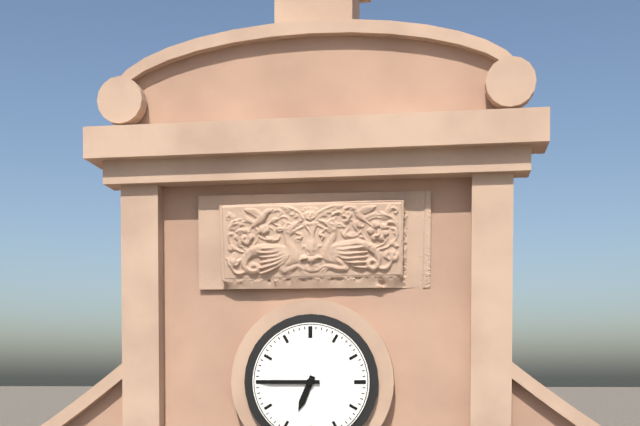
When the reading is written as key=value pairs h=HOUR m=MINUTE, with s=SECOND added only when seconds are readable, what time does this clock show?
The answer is h=6 m=45
